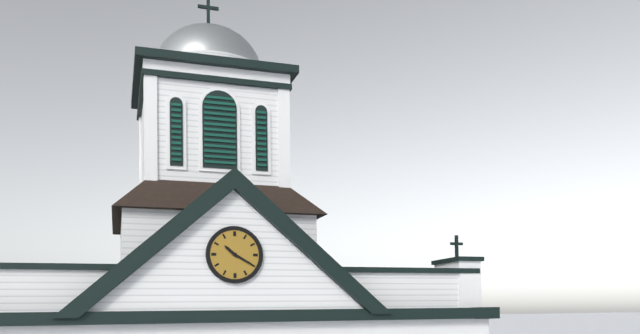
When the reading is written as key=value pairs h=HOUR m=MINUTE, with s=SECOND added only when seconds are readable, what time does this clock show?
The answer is h=10 m=20
